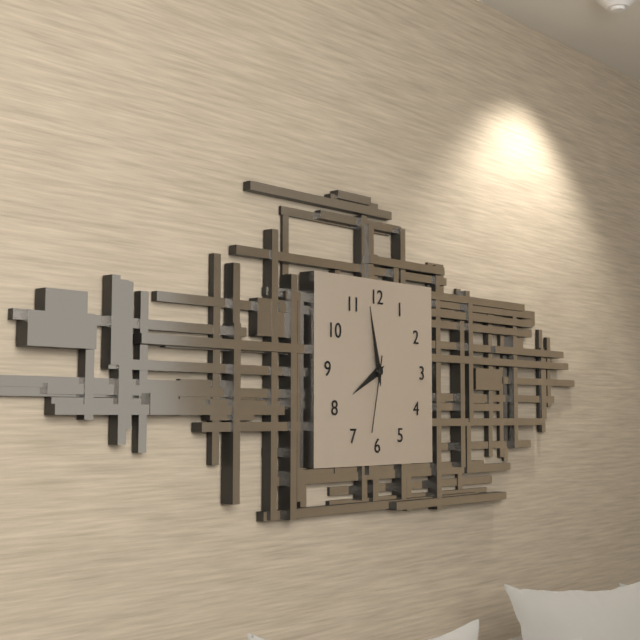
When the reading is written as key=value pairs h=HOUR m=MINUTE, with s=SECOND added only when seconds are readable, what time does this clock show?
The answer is h=7 m=58 s=32
